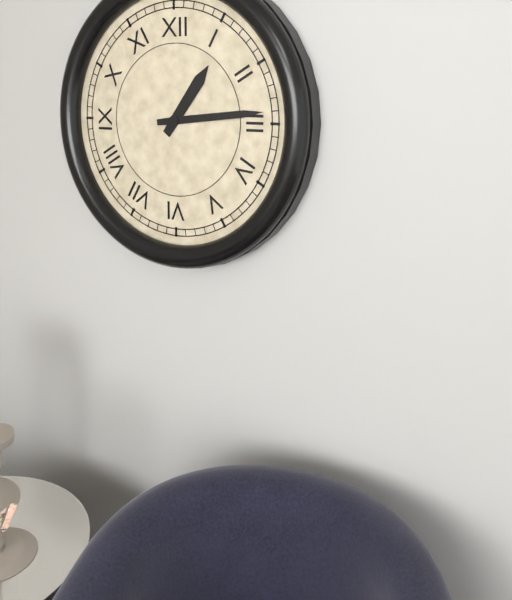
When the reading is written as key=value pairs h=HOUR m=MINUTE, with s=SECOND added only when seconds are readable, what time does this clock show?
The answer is h=1 m=14
